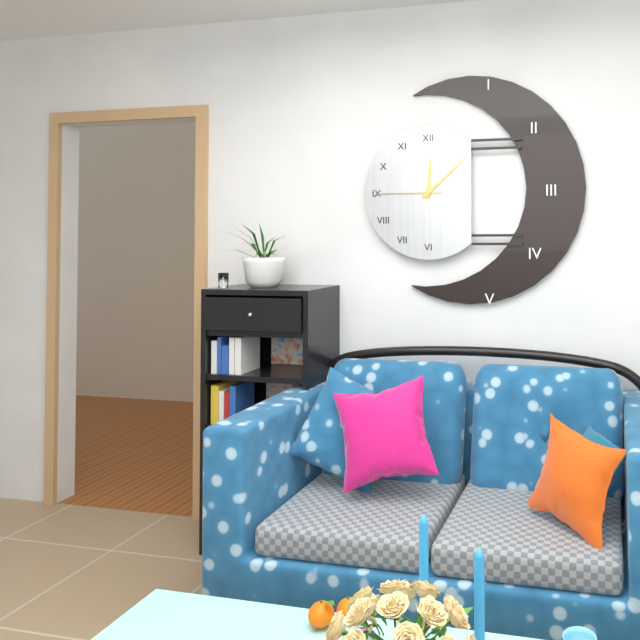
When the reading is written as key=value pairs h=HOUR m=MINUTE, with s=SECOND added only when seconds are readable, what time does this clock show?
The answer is h=12 m=8 s=45
